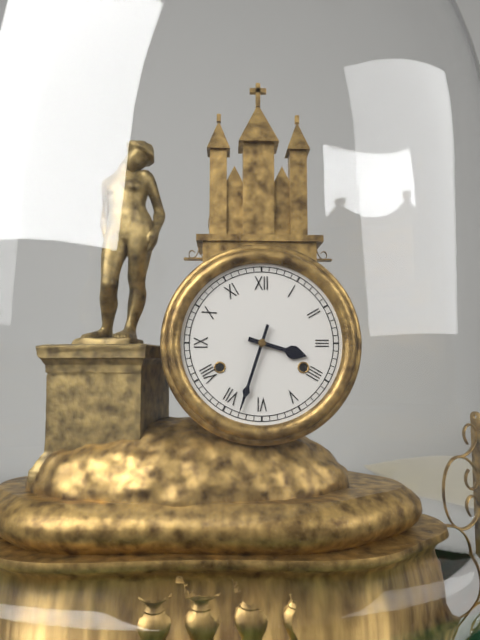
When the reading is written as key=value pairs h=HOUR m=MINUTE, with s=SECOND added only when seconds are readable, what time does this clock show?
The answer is h=3 m=33
